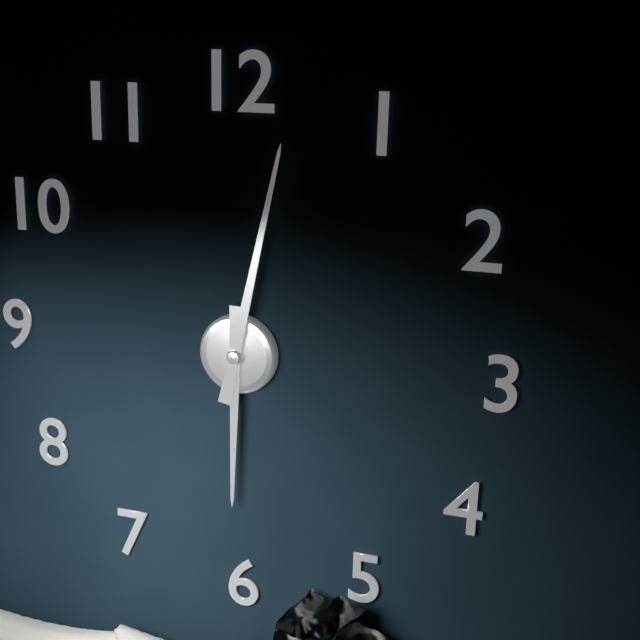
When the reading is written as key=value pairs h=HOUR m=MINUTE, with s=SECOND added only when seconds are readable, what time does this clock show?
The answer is h=6 m=2
